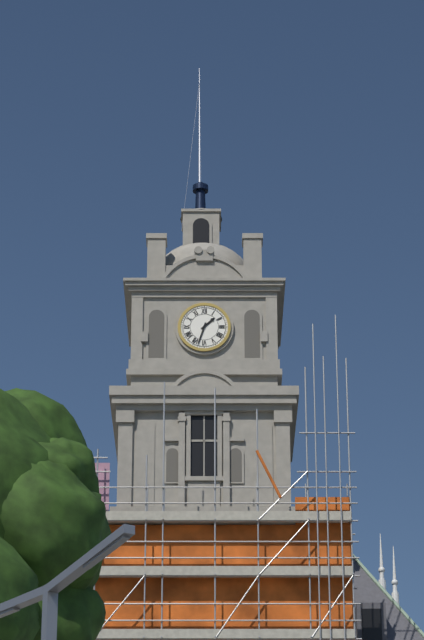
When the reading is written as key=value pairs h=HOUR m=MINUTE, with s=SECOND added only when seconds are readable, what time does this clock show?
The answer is h=1 m=33
